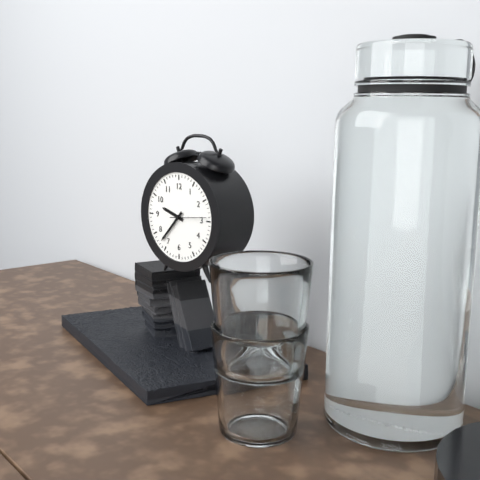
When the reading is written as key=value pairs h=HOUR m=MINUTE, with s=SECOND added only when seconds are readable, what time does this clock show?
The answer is h=9 m=37
